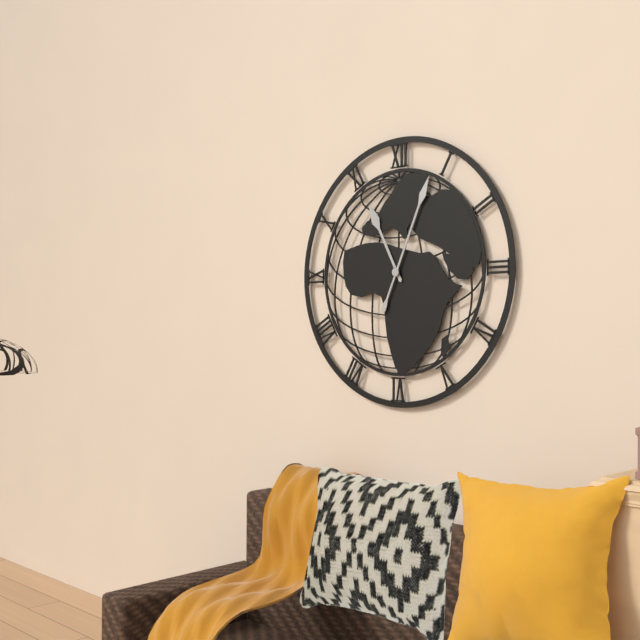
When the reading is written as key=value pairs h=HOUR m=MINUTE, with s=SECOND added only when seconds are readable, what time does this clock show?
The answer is h=11 m=4
